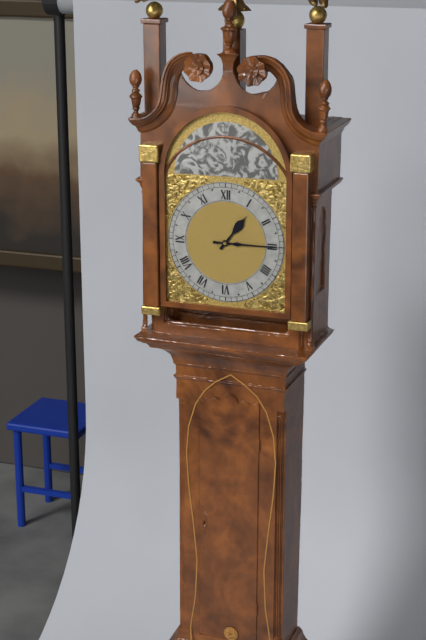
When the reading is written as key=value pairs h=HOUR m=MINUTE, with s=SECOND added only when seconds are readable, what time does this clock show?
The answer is h=1 m=15
